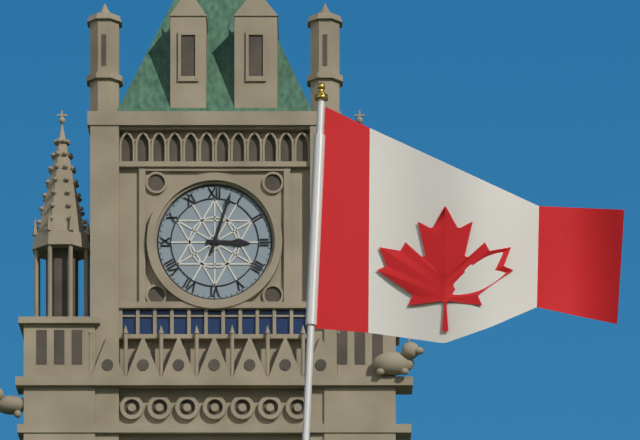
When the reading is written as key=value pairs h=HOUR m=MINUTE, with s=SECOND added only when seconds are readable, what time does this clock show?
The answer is h=3 m=3
